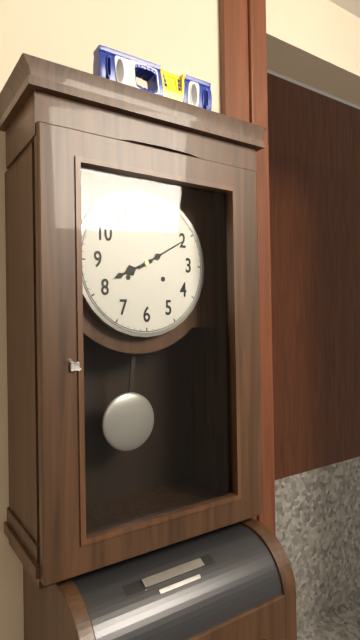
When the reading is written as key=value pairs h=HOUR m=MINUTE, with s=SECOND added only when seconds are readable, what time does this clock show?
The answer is h=8 m=10
